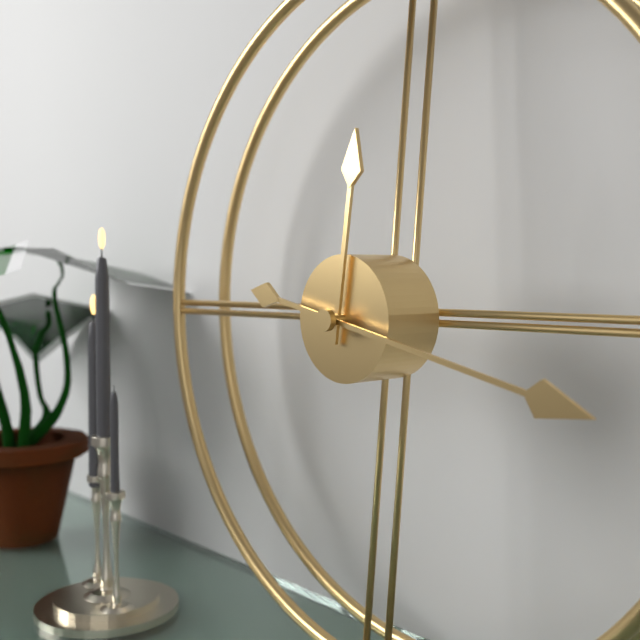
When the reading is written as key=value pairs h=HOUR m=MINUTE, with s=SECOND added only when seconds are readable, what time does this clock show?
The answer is h=12 m=17
